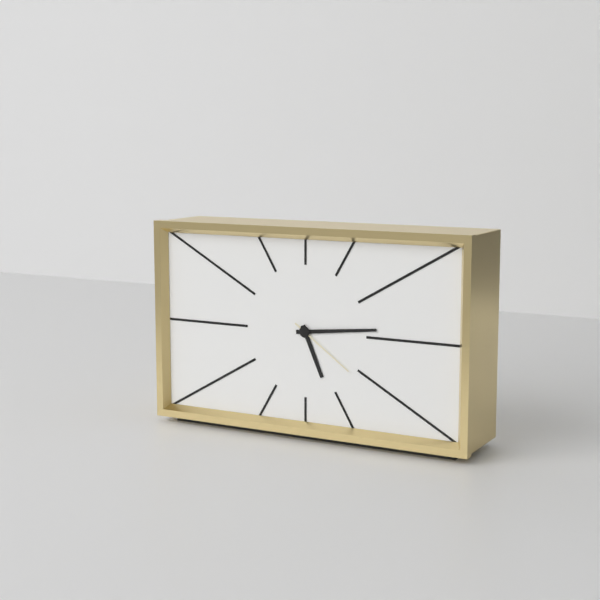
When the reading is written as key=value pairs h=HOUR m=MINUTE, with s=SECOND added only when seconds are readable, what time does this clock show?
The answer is h=5 m=14 s=21
